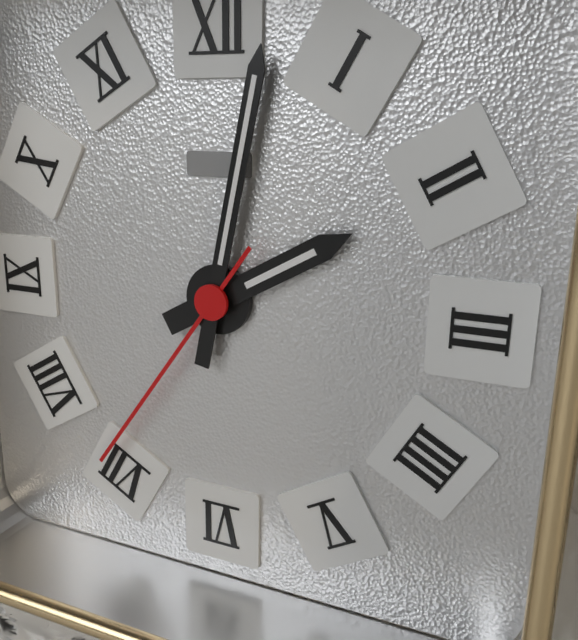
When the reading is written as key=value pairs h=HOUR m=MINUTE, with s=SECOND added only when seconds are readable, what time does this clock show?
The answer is h=2 m=2 s=36
